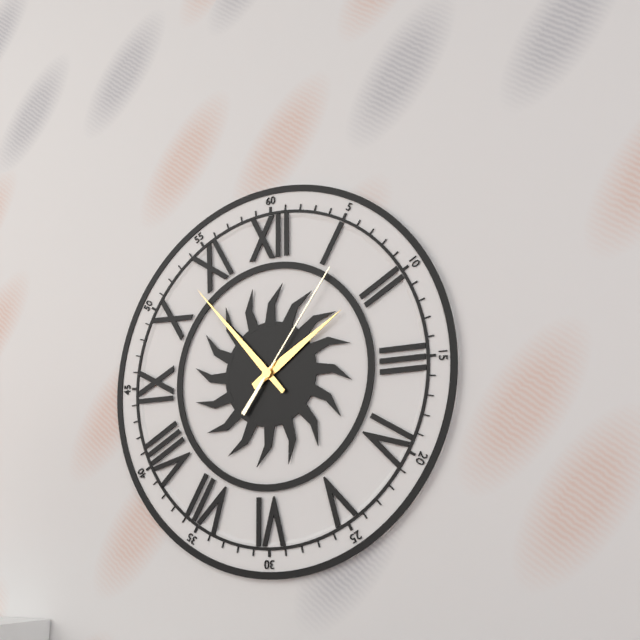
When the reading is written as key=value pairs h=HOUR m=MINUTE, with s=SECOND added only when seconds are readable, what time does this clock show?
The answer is h=1 m=53 s=6
